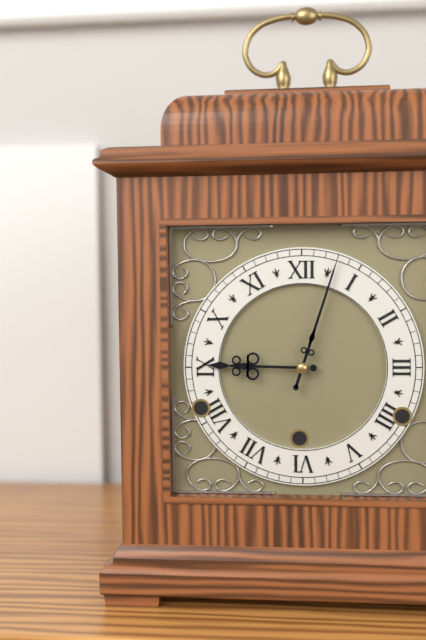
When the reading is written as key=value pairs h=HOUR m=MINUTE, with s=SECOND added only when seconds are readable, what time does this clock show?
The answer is h=9 m=3
